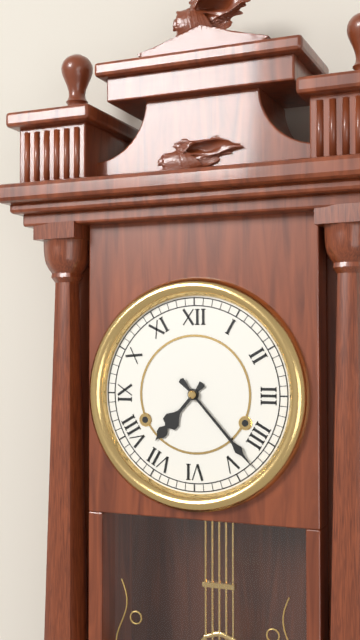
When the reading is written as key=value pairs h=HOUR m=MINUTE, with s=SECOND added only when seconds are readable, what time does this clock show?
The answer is h=7 m=23
